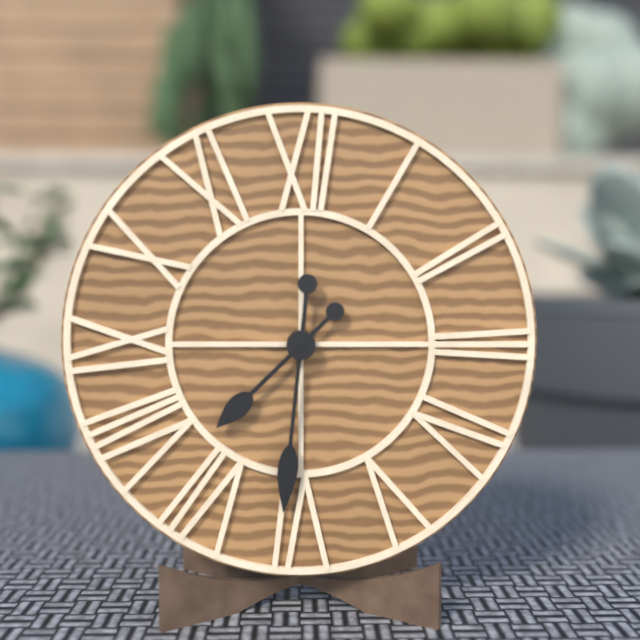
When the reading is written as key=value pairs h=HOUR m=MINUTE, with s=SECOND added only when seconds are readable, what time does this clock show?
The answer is h=7 m=31
